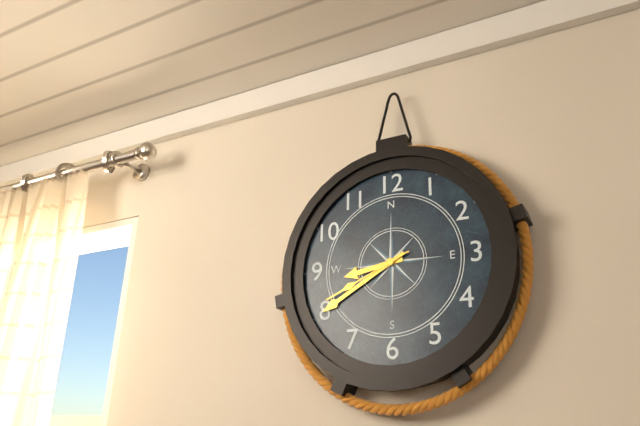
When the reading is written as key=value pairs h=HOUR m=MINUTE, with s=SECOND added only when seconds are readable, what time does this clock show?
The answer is h=8 m=40 s=41
